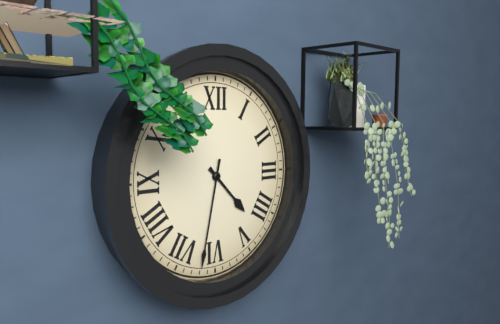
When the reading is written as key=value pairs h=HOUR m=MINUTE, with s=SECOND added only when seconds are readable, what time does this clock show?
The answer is h=4 m=32
